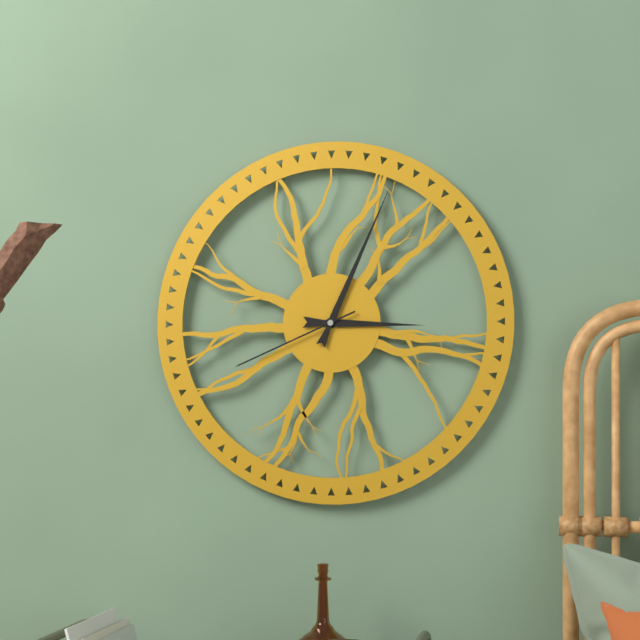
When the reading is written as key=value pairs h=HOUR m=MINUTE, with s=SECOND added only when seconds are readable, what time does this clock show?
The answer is h=3 m=4 s=41
